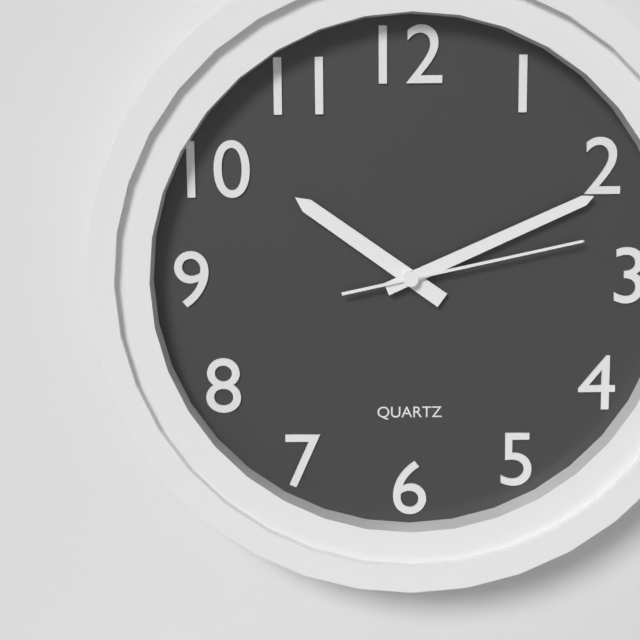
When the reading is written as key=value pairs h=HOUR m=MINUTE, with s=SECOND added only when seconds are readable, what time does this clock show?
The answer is h=10 m=11 s=13
